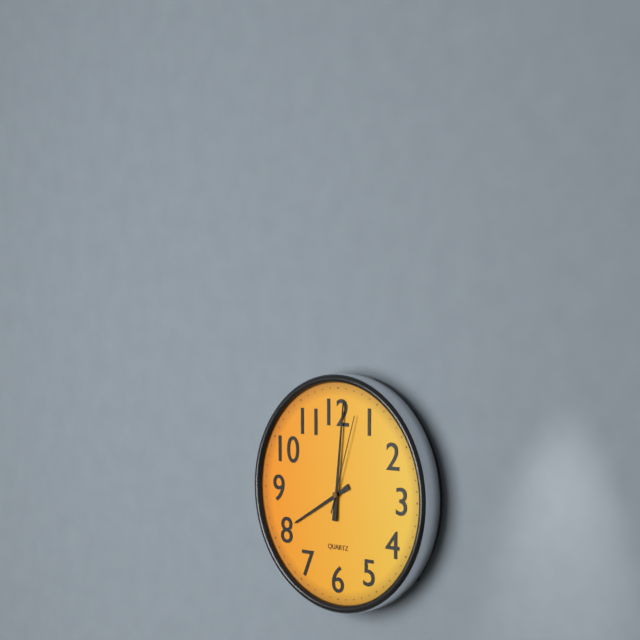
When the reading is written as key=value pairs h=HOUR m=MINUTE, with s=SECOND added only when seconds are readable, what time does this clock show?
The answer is h=8 m=1 s=3
